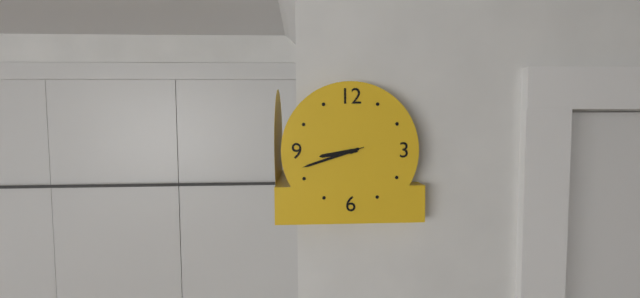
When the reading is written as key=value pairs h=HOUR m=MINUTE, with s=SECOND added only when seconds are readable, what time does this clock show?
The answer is h=8 m=42 s=42
